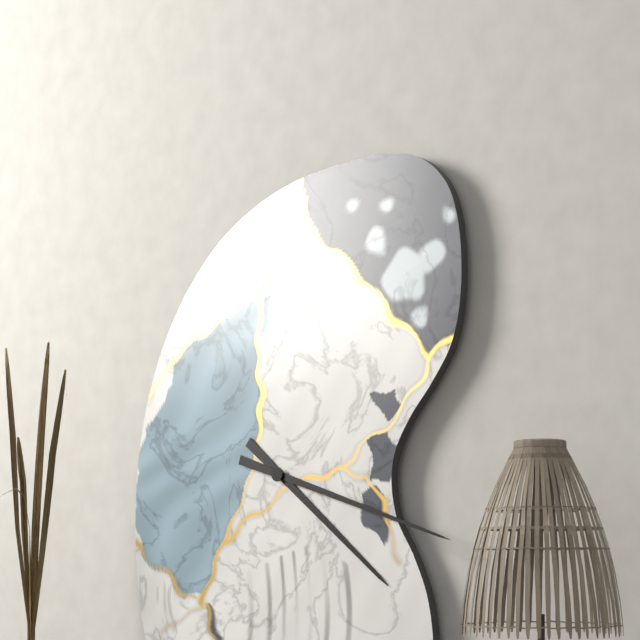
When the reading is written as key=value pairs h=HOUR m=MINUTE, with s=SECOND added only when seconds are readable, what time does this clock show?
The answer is h=4 m=18
